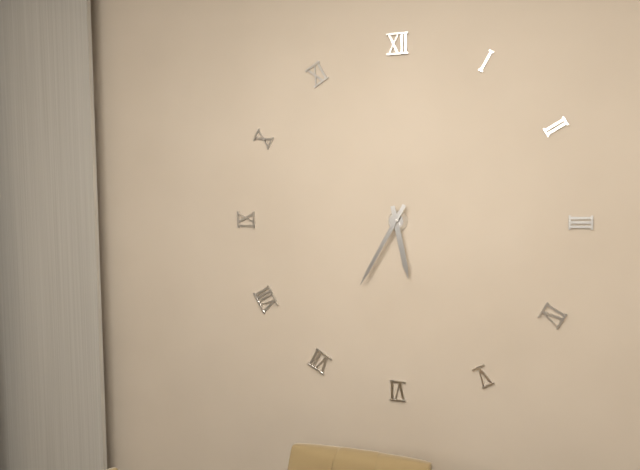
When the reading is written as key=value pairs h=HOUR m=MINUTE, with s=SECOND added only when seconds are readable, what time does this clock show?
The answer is h=5 m=35
